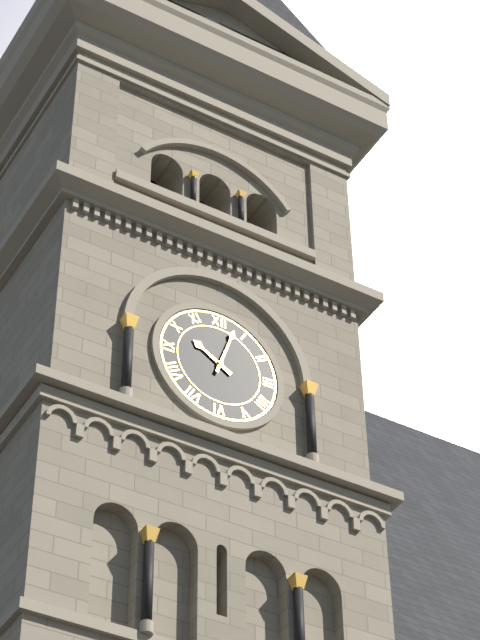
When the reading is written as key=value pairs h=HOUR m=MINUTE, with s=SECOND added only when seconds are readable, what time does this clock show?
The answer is h=10 m=3
